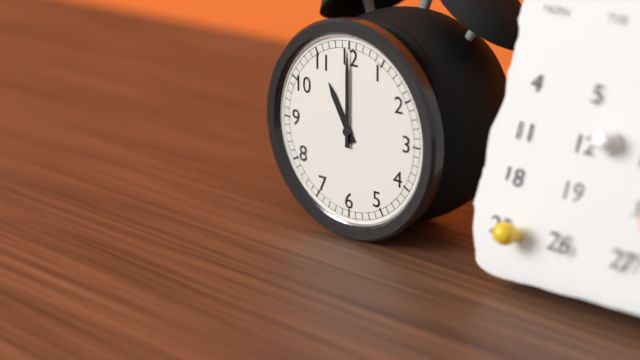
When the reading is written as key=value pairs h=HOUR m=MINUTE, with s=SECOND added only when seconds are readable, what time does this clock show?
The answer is h=11 m=0
